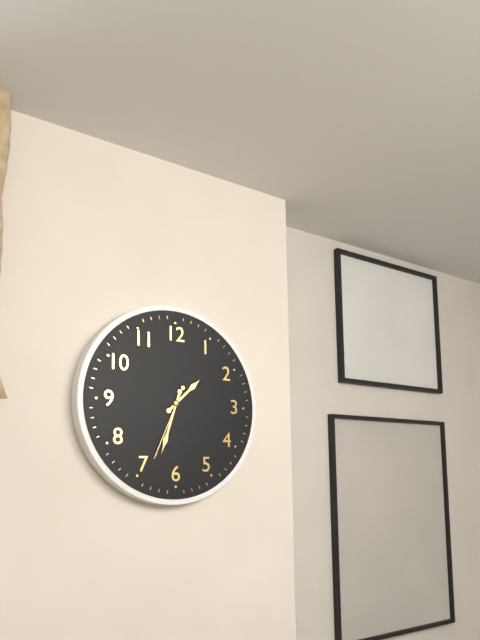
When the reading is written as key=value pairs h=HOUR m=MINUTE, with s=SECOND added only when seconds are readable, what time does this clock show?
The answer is h=1 m=33 s=34
